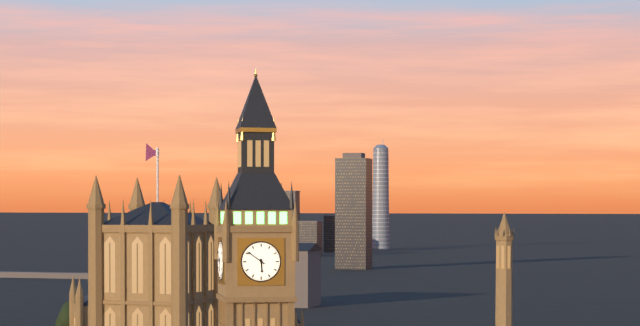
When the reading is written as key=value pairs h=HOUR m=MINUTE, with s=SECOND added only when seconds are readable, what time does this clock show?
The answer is h=5 m=51
